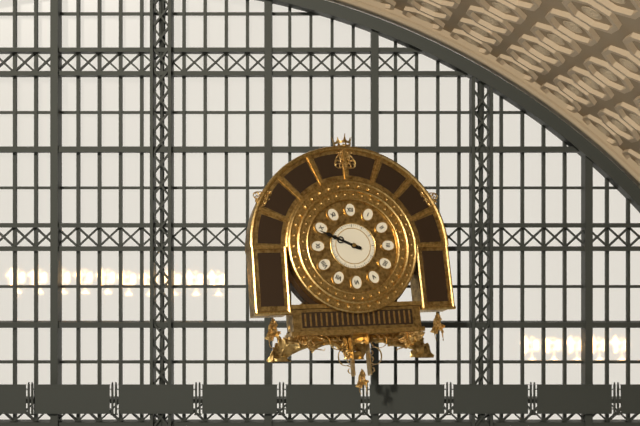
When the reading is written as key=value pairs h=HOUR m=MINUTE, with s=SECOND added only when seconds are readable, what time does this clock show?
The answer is h=9 m=49
